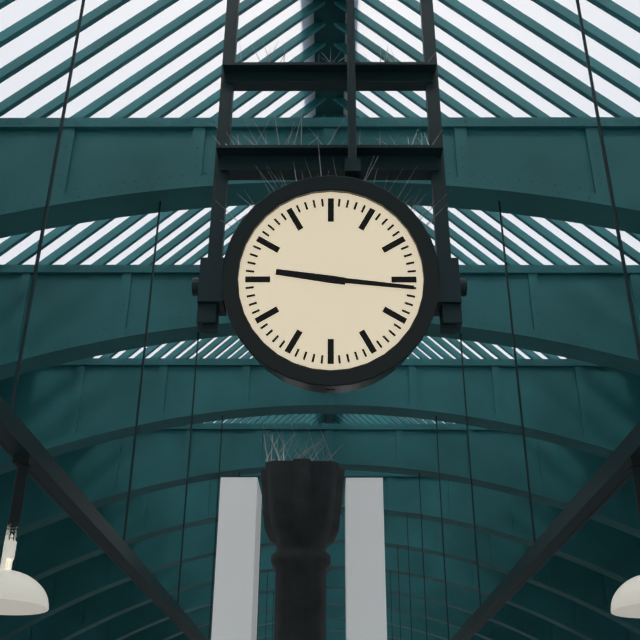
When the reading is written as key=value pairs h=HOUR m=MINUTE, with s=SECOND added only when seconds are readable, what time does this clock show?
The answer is h=9 m=16
